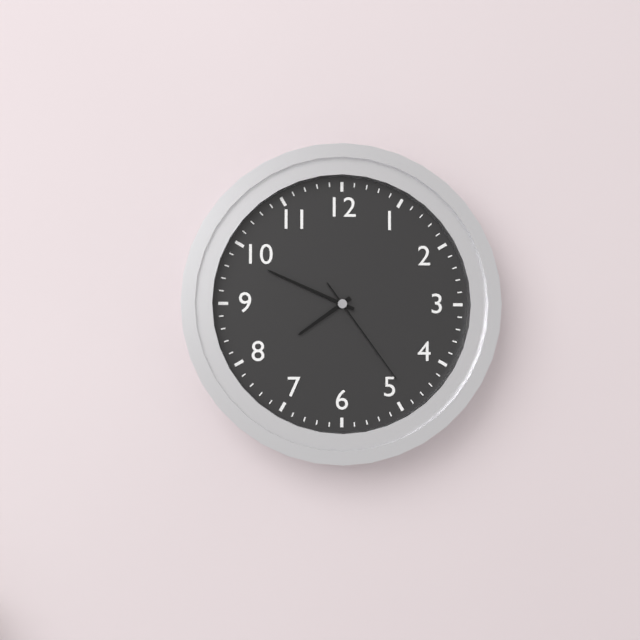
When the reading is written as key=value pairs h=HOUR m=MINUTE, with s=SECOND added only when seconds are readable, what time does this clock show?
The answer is h=7 m=49 s=24
